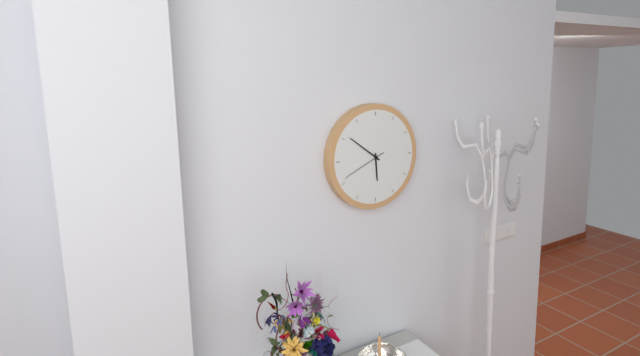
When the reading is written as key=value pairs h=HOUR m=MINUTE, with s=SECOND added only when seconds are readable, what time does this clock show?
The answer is h=5 m=51
